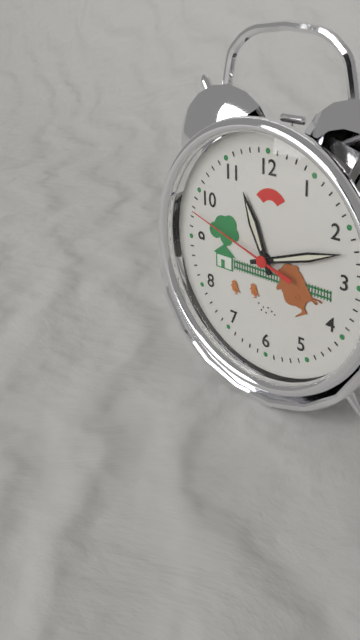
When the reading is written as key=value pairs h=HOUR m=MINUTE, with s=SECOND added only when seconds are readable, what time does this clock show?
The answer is h=11 m=12 s=48
